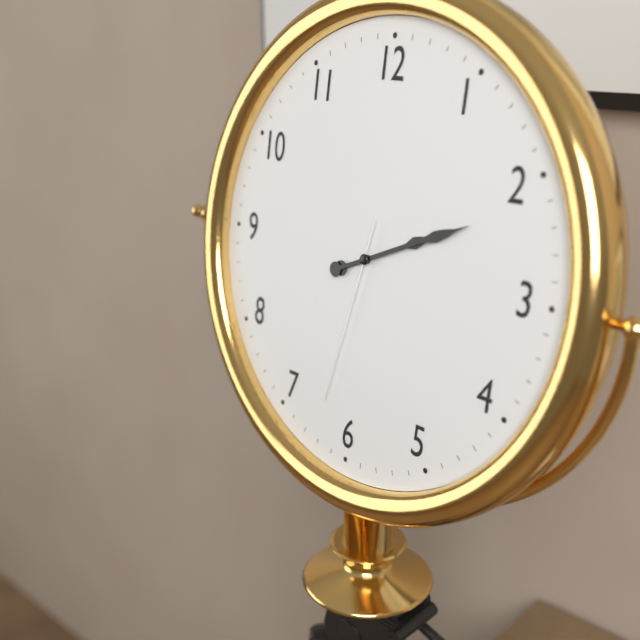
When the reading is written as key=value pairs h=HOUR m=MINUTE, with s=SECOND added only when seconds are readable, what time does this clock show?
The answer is h=2 m=11 s=32
